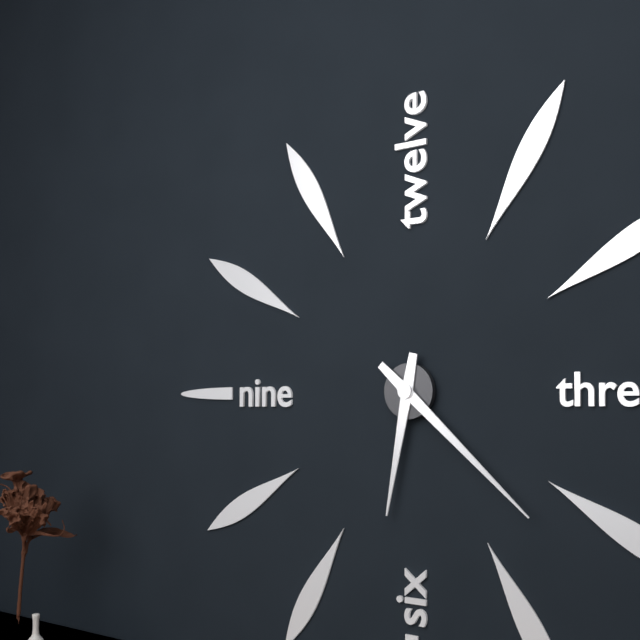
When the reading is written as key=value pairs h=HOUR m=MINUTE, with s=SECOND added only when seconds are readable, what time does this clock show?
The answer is h=6 m=22
